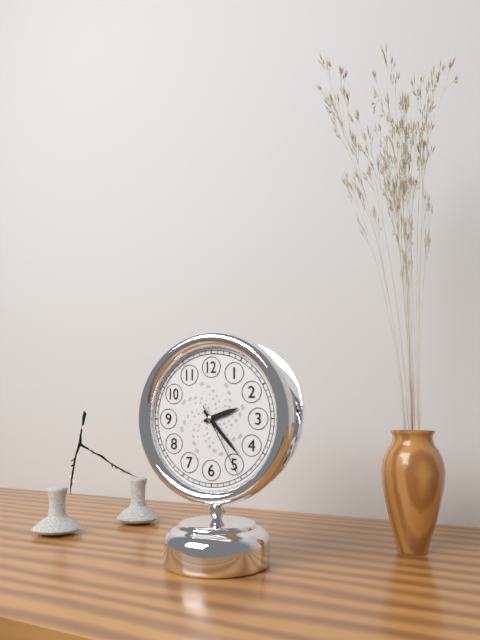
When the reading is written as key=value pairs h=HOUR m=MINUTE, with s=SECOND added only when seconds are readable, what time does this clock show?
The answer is h=2 m=23 s=25
